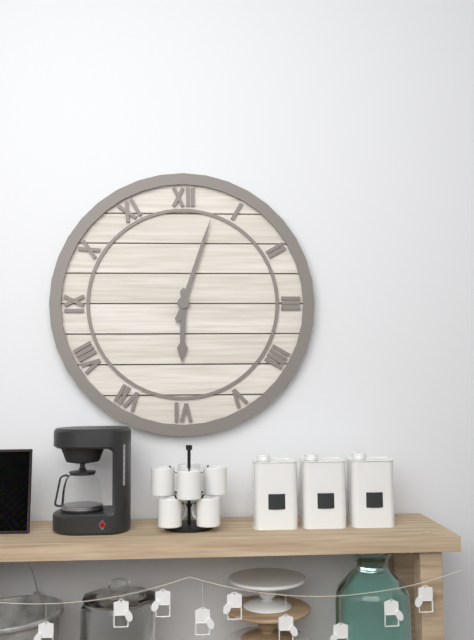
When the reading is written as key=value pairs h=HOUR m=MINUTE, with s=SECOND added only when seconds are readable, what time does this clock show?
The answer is h=6 m=3
